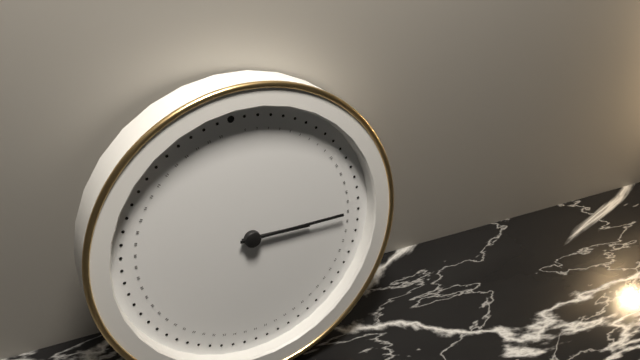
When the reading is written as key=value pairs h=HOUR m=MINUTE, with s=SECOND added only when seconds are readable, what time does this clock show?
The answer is h=3 m=16
